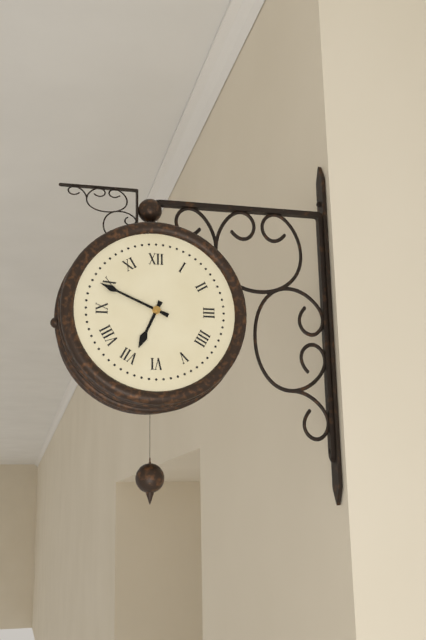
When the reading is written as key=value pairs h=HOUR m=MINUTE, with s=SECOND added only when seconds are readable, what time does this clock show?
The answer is h=6 m=49
